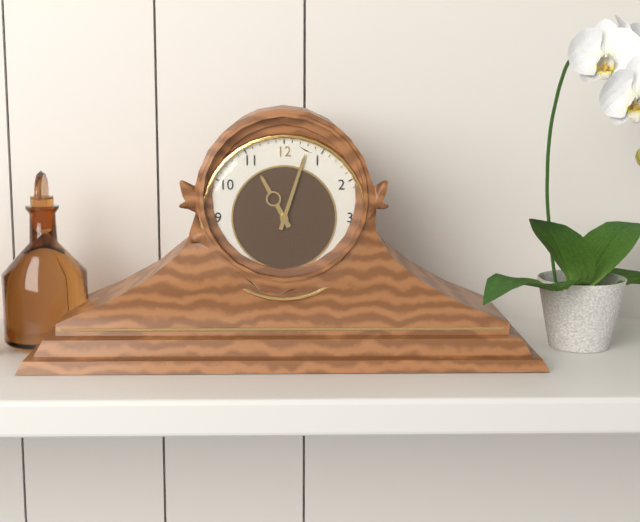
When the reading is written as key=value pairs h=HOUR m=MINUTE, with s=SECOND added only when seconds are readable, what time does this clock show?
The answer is h=11 m=3
